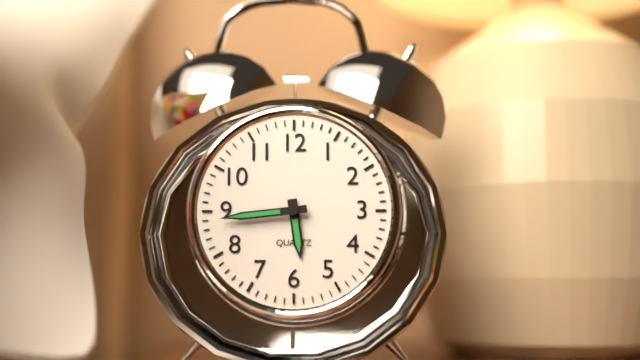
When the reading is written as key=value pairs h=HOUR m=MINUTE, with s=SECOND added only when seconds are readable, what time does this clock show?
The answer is h=5 m=44
